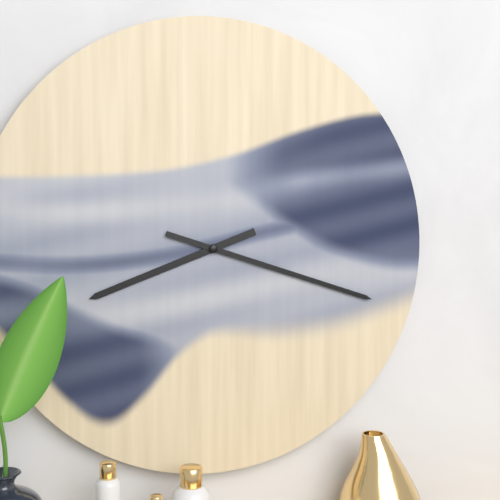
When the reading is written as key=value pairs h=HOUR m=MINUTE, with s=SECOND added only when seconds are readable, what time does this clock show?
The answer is h=8 m=18
